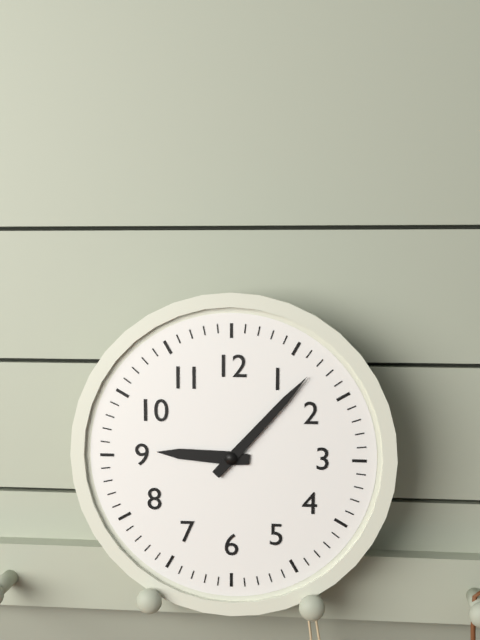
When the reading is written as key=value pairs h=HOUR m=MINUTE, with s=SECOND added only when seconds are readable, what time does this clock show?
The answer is h=9 m=7
